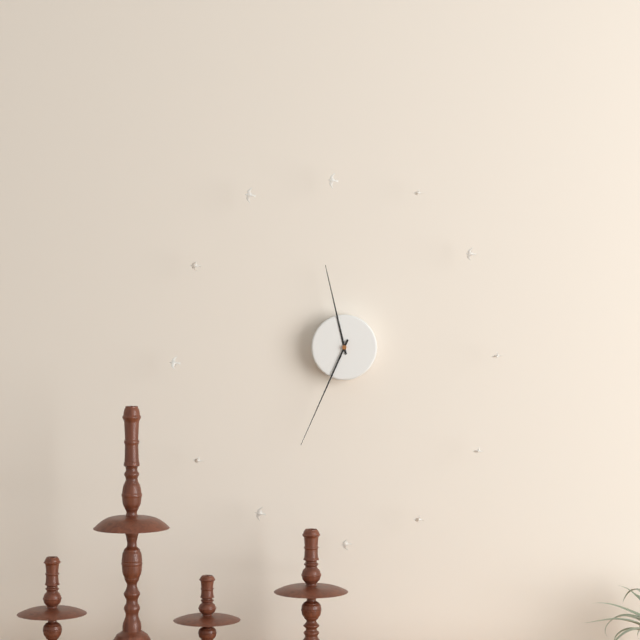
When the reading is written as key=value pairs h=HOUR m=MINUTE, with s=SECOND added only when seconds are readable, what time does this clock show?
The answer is h=11 m=34
